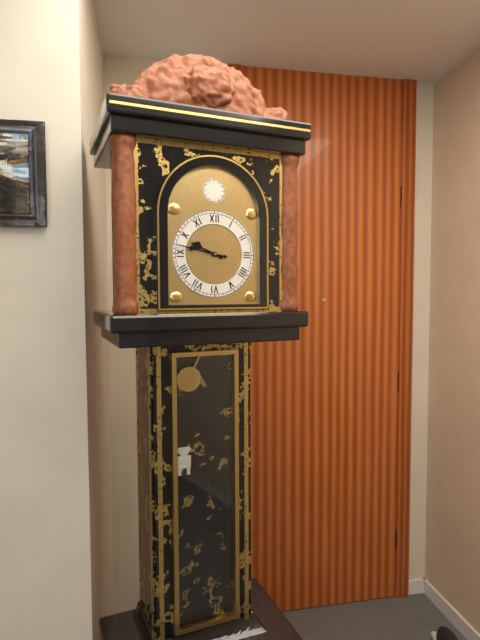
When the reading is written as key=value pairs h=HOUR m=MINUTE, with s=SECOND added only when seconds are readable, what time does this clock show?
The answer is h=9 m=47
